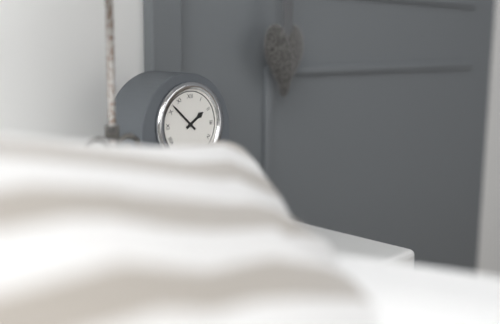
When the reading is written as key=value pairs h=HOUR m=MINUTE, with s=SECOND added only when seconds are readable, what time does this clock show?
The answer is h=1 m=52
